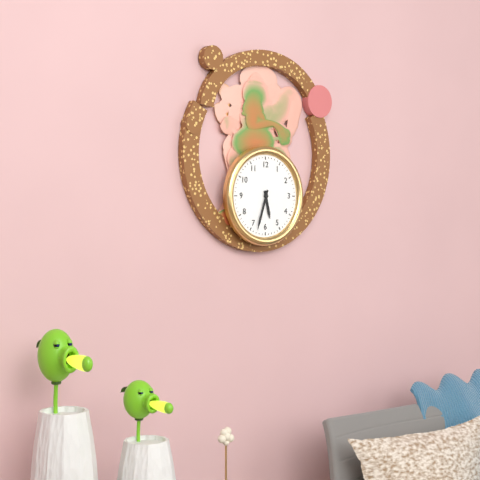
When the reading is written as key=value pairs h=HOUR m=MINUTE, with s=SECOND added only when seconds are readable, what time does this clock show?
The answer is h=5 m=33
